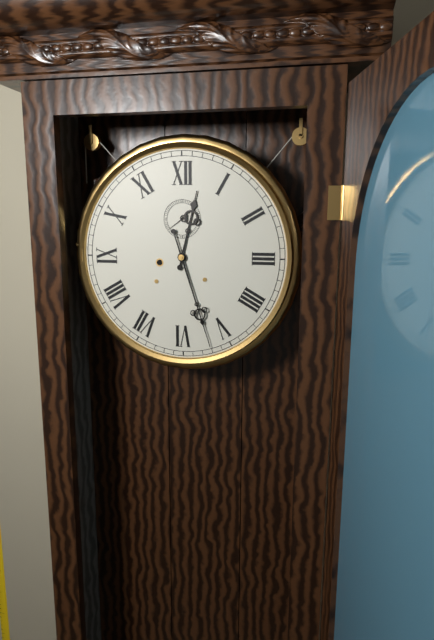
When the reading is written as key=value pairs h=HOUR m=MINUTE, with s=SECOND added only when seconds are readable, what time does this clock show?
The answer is h=12 m=27
